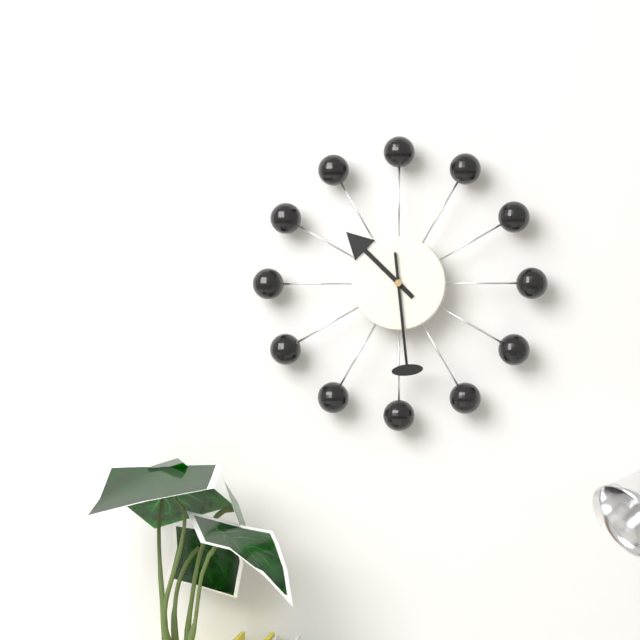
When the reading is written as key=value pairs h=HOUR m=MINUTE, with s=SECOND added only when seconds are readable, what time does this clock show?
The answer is h=10 m=29
